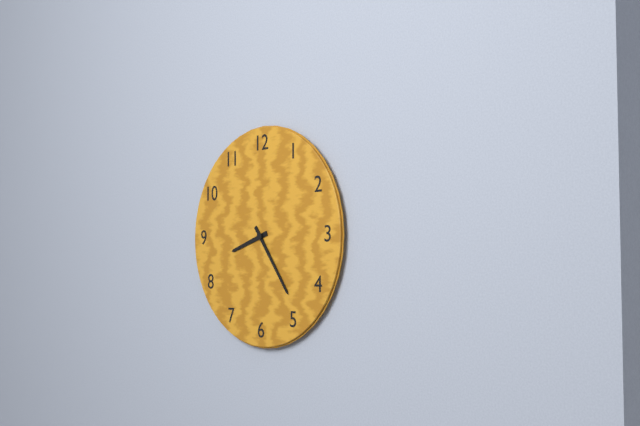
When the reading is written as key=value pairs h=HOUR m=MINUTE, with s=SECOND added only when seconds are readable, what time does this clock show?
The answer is h=8 m=24
